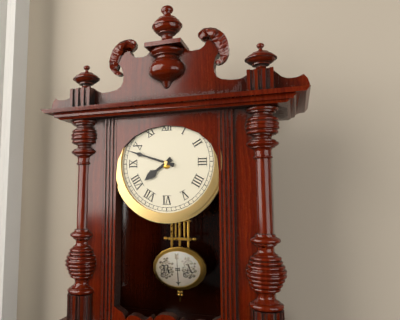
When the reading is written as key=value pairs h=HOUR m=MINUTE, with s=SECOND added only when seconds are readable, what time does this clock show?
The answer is h=7 m=48
